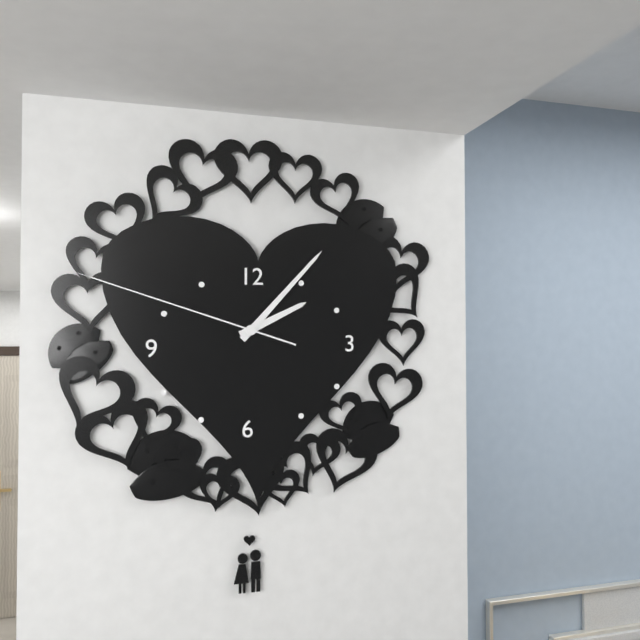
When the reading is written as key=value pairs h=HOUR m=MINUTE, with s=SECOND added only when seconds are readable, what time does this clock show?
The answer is h=2 m=7 s=48
